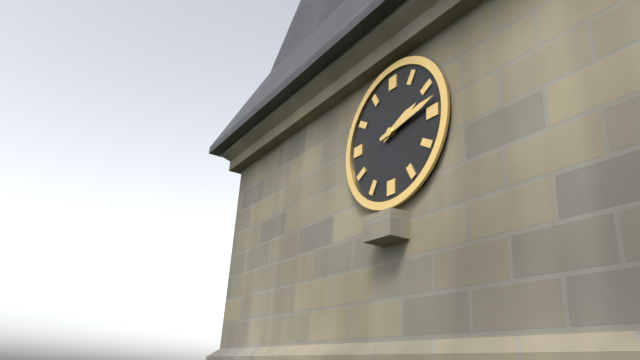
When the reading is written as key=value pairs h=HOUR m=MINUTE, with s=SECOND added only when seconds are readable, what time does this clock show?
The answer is h=2 m=13
